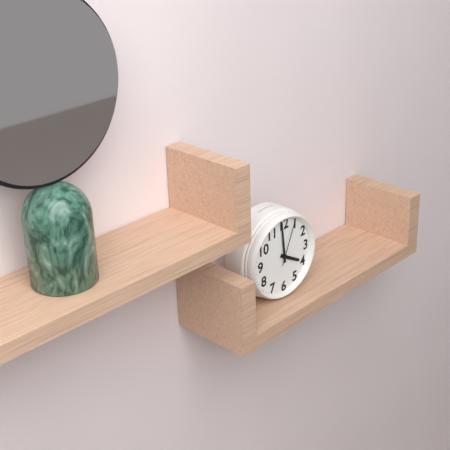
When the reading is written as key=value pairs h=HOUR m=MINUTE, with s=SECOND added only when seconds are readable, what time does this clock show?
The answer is h=3 m=59 s=4
